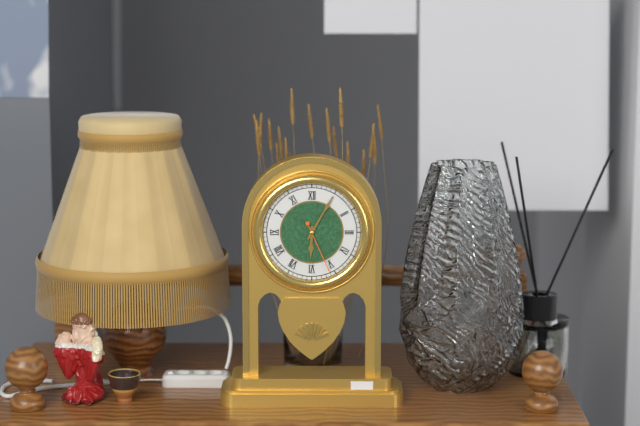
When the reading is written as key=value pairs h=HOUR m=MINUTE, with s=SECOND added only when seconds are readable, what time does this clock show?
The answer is h=6 m=5 s=26
